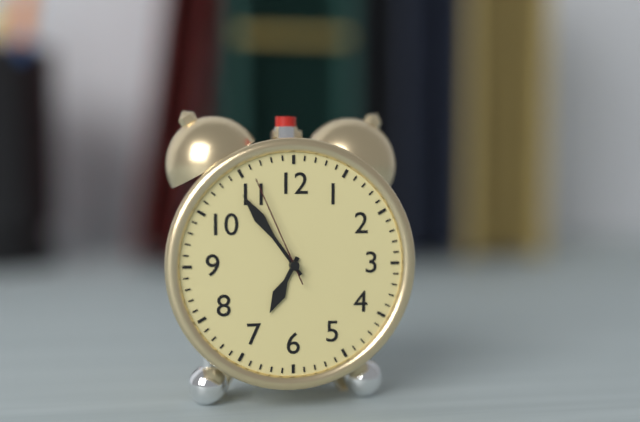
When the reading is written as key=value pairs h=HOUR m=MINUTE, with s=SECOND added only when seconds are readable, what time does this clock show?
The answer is h=6 m=54 s=56
